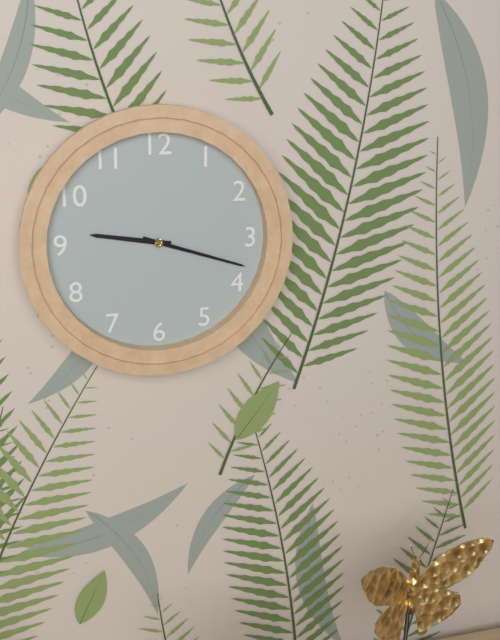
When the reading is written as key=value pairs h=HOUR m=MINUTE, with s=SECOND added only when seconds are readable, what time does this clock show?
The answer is h=9 m=18
